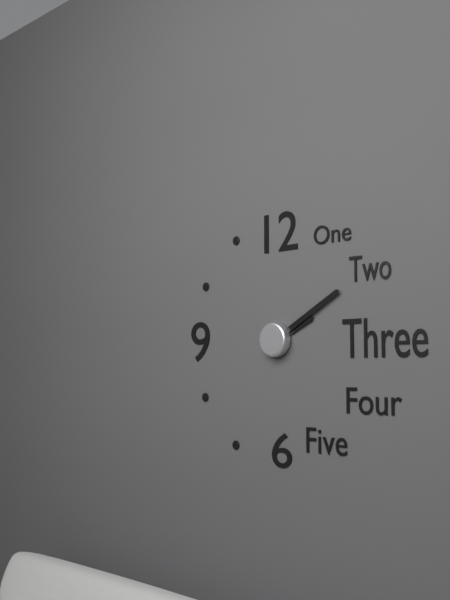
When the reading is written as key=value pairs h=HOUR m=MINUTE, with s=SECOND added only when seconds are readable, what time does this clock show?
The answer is h=2 m=10
